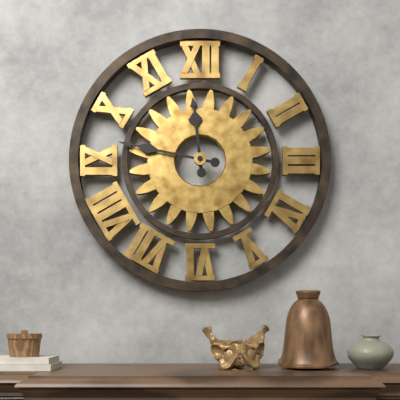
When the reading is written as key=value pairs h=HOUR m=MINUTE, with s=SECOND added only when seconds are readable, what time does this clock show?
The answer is h=11 m=47
